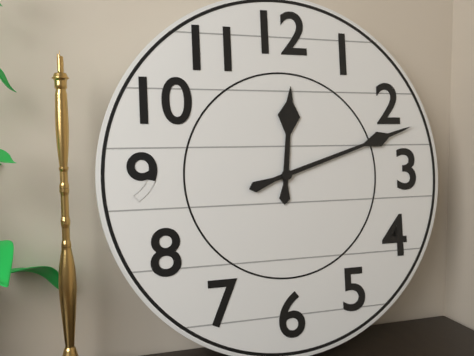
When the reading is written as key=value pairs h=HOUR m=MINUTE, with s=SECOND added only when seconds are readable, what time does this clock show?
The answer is h=12 m=12
